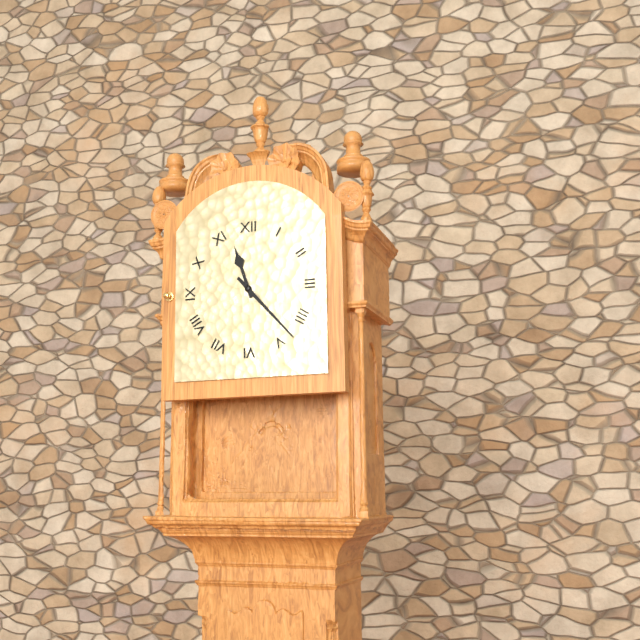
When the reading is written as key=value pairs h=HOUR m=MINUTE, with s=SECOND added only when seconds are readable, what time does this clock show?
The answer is h=11 m=23
